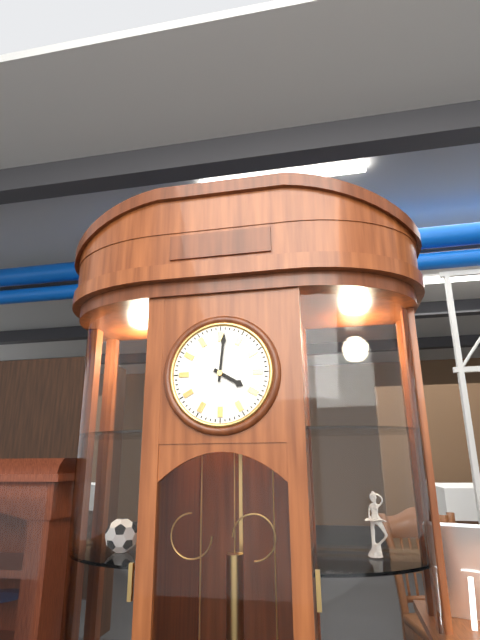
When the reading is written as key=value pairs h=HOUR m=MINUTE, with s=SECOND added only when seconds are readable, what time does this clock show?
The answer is h=4 m=1
